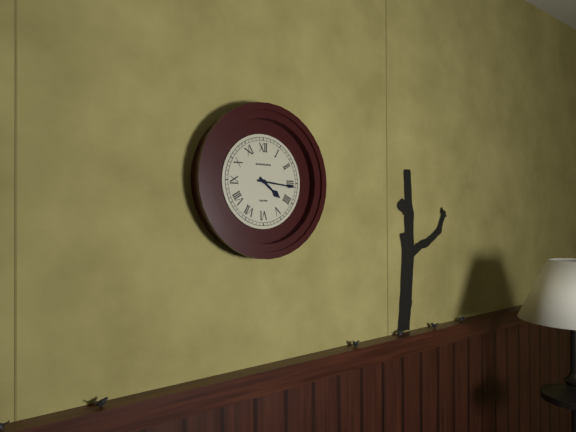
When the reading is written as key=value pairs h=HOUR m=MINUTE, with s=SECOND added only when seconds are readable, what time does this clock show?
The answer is h=4 m=16
